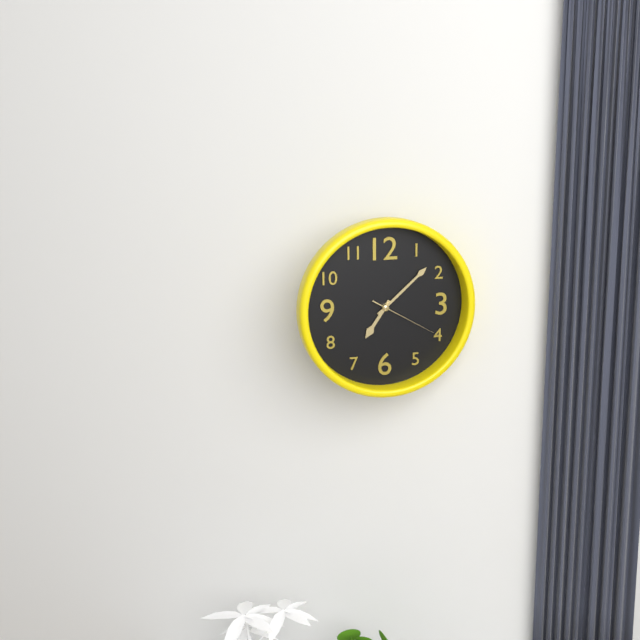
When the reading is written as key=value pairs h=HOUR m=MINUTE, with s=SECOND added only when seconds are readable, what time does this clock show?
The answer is h=7 m=8 s=20
